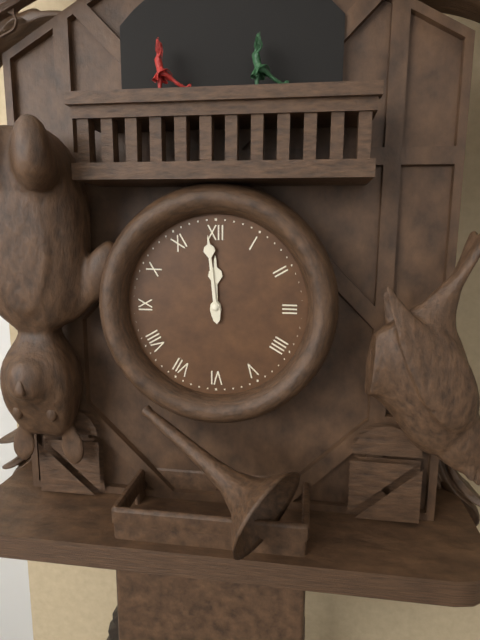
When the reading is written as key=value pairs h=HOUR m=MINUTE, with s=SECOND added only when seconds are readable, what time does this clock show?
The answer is h=11 m=59
